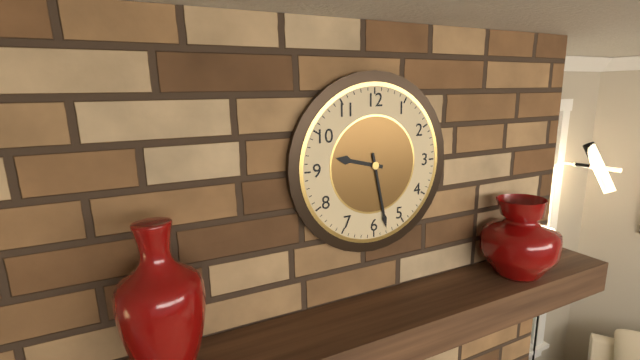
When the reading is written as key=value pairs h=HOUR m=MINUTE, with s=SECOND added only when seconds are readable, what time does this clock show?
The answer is h=9 m=28
